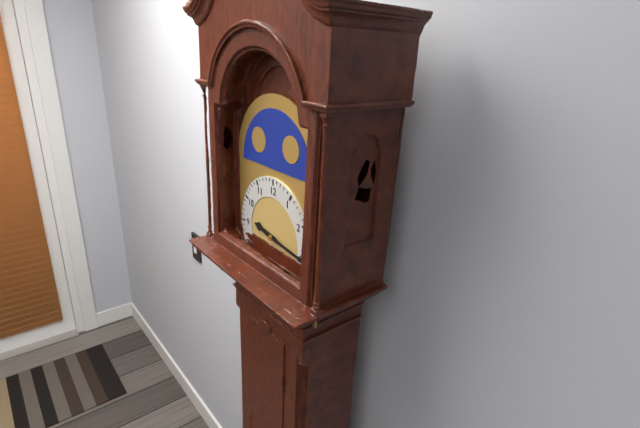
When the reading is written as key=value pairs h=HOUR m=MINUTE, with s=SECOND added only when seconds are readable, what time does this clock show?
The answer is h=9 m=16
